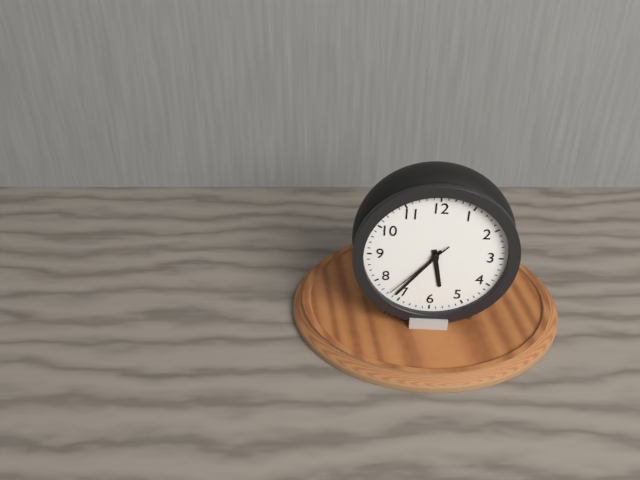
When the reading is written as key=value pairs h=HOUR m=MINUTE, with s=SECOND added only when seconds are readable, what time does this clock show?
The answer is h=5 m=36 s=37
